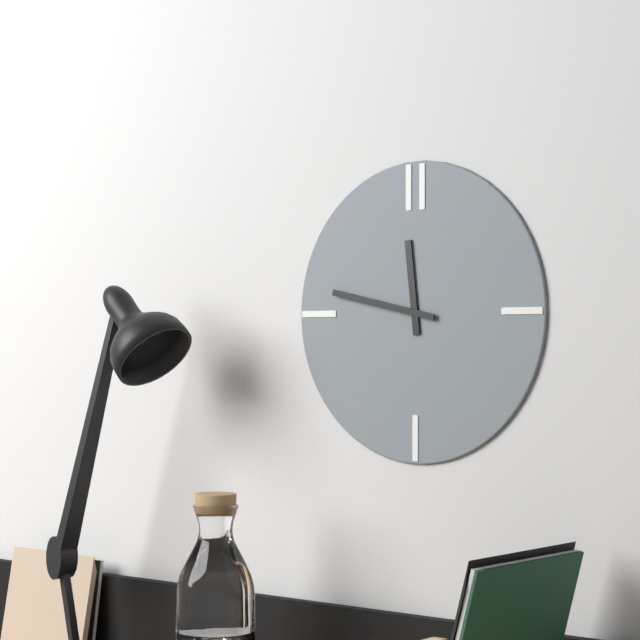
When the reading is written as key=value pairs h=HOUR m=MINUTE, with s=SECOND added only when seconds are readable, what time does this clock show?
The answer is h=11 m=47
